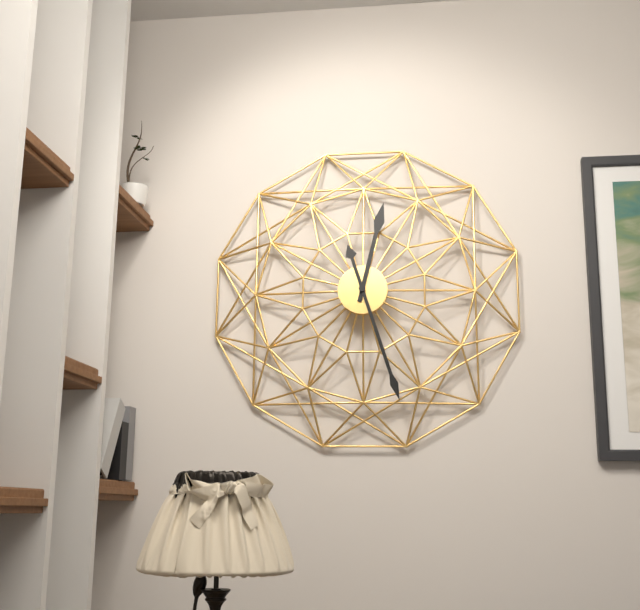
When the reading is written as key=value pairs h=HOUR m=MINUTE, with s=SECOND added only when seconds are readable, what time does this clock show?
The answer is h=12 m=27
